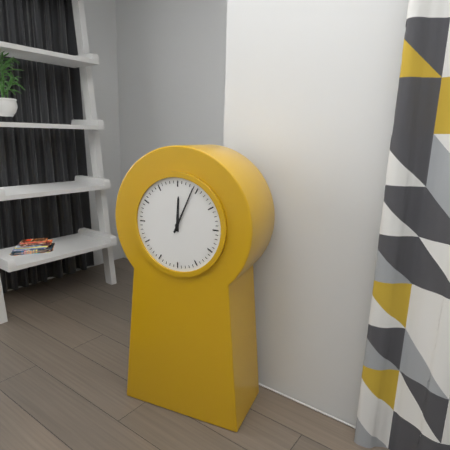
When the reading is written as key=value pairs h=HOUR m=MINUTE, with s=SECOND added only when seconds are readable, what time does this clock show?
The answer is h=12 m=4
